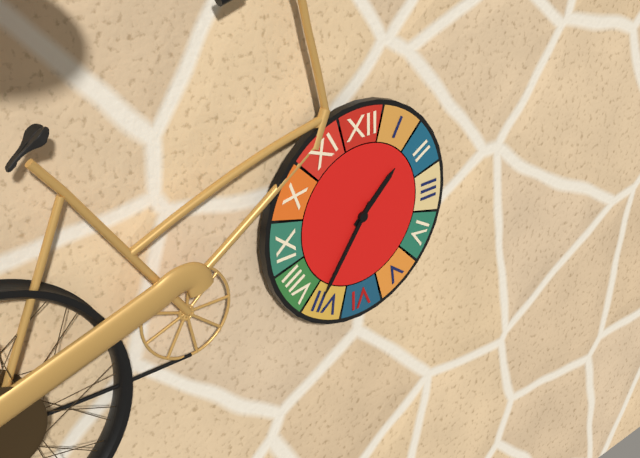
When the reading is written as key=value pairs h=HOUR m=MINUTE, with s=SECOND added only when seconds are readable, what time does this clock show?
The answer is h=1 m=36
